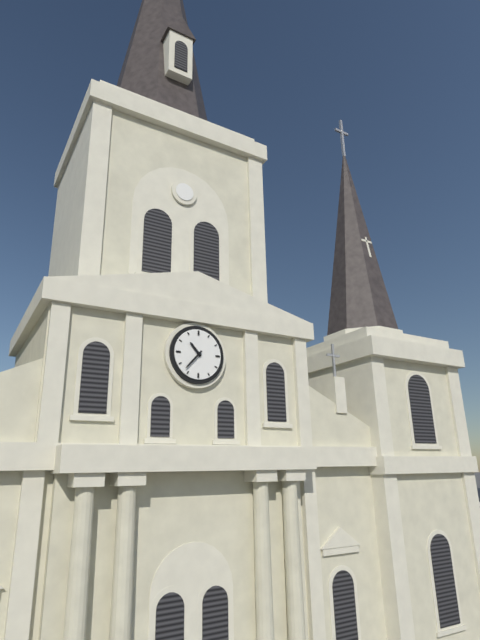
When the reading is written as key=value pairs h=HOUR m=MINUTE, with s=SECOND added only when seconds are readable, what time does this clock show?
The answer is h=10 m=37
